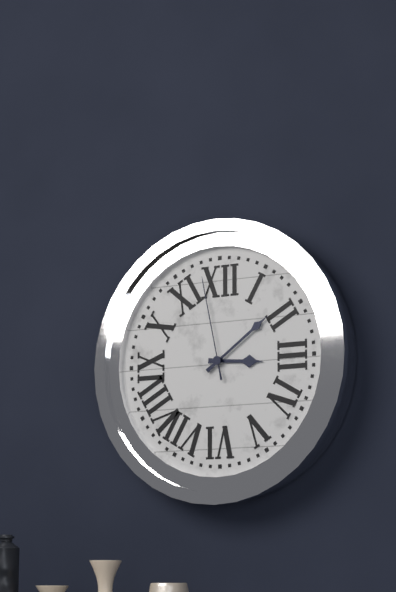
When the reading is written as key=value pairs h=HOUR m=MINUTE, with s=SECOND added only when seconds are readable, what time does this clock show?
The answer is h=3 m=9 s=58
